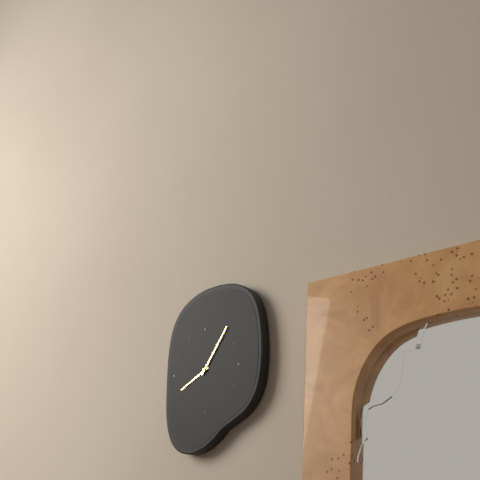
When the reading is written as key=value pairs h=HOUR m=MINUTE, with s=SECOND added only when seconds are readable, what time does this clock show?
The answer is h=8 m=6
